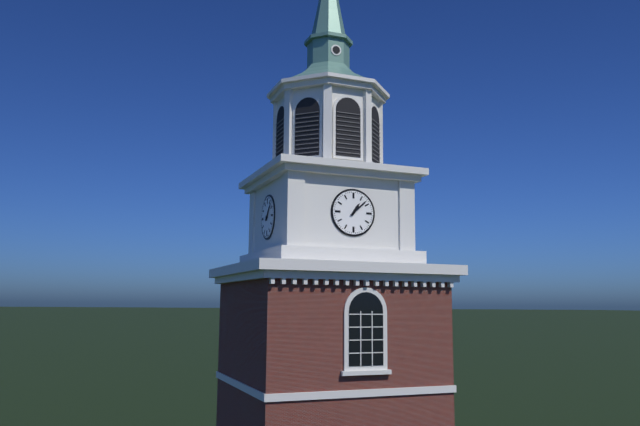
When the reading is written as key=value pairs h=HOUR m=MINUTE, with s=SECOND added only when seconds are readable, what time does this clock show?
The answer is h=1 m=8
